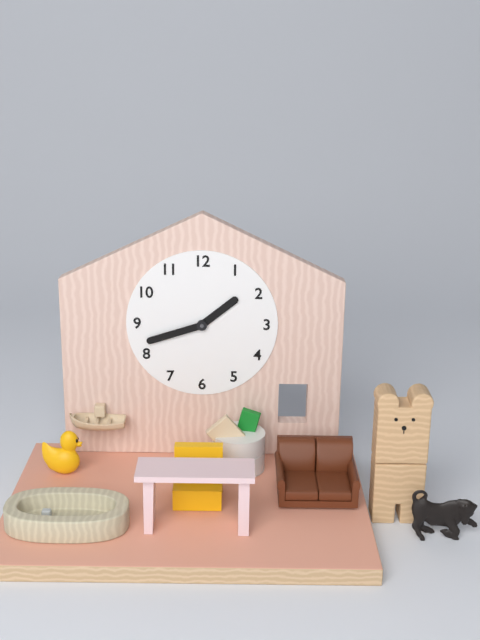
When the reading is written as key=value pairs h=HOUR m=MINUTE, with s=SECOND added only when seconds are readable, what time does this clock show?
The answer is h=1 m=42
